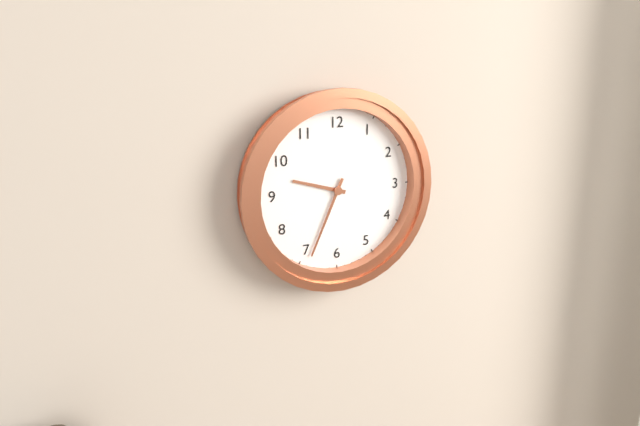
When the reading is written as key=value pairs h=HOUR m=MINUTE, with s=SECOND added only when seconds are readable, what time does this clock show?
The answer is h=9 m=34
